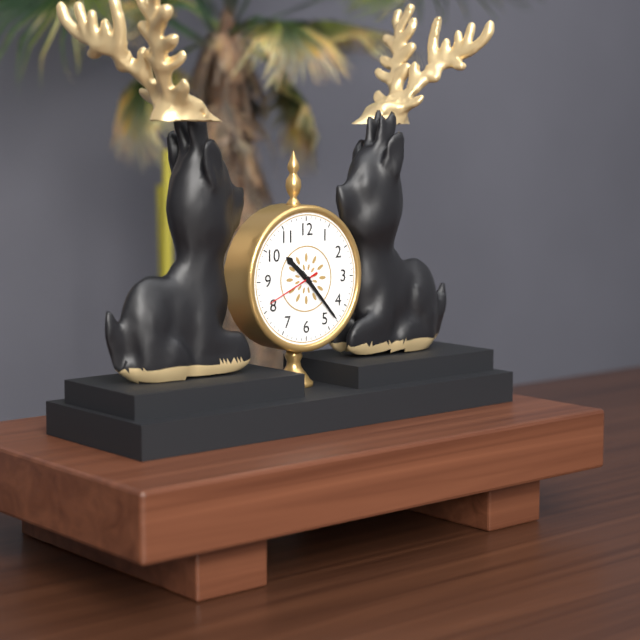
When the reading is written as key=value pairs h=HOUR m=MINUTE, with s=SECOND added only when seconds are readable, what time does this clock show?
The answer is h=10 m=23 s=41
